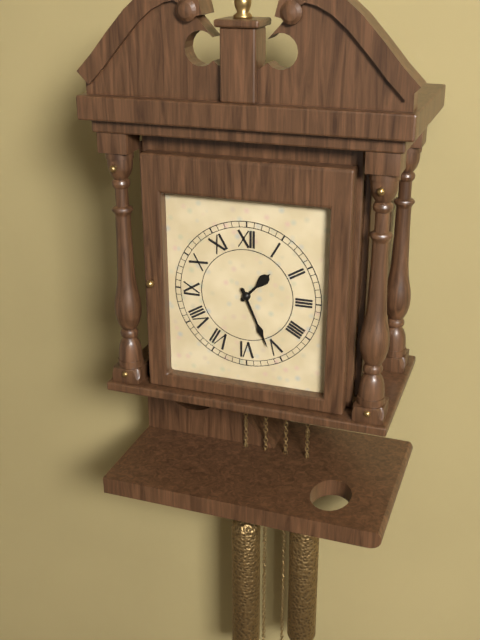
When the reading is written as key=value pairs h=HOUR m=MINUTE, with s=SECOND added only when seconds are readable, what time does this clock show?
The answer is h=1 m=26
